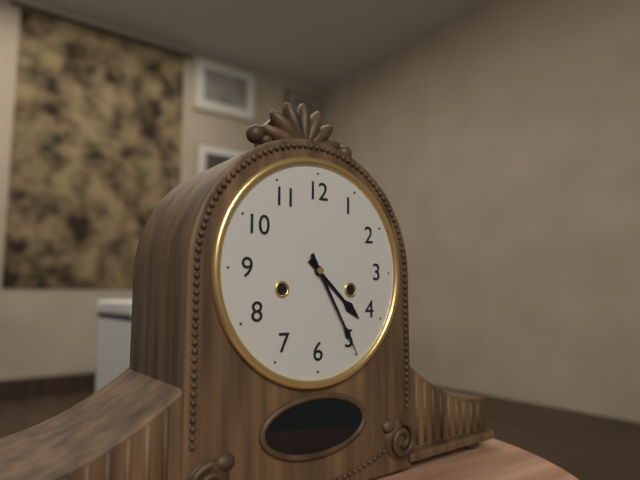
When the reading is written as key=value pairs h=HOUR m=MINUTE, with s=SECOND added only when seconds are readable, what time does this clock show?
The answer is h=4 m=25
